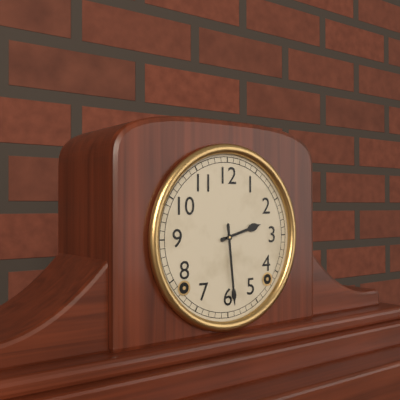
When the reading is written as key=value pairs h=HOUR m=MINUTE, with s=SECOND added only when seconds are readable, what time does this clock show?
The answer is h=2 m=29
